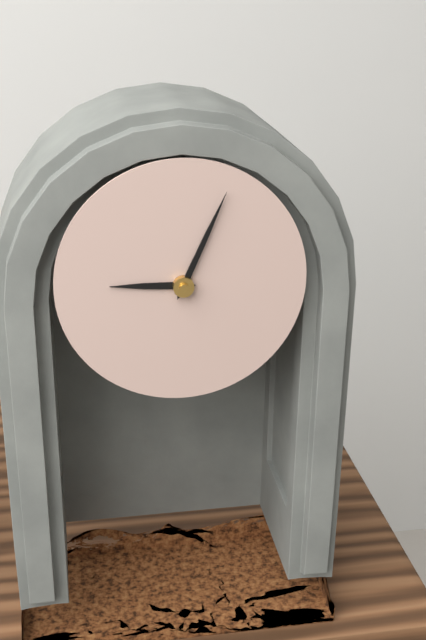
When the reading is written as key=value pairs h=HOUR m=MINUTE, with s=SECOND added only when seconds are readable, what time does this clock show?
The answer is h=9 m=4
